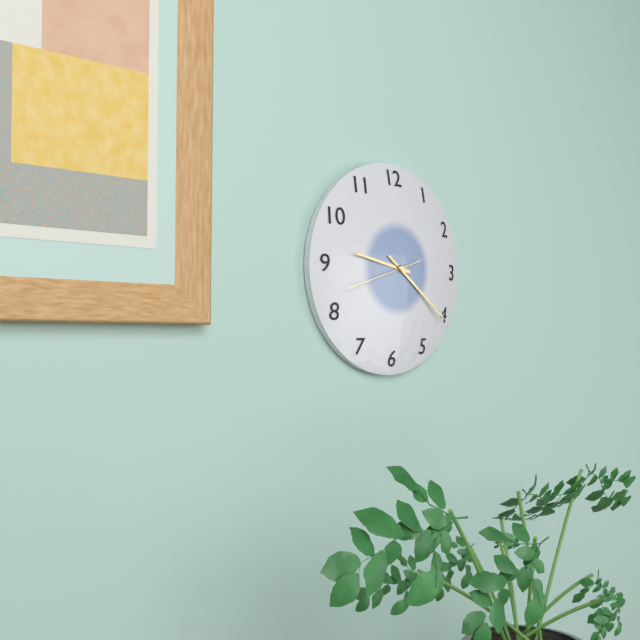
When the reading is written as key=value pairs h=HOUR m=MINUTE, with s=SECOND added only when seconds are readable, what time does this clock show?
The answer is h=9 m=21 s=42
